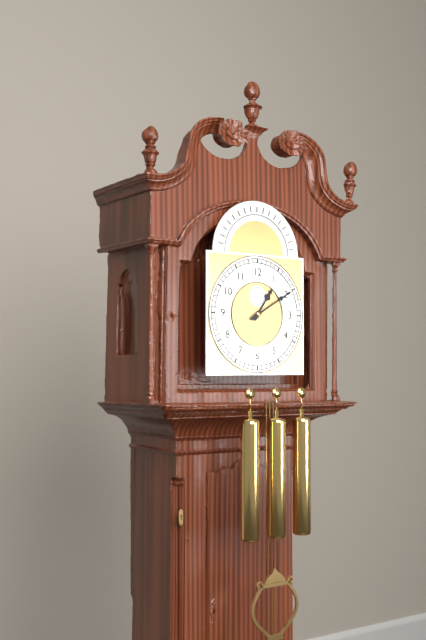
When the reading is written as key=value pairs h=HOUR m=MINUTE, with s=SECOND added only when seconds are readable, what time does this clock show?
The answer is h=1 m=10
